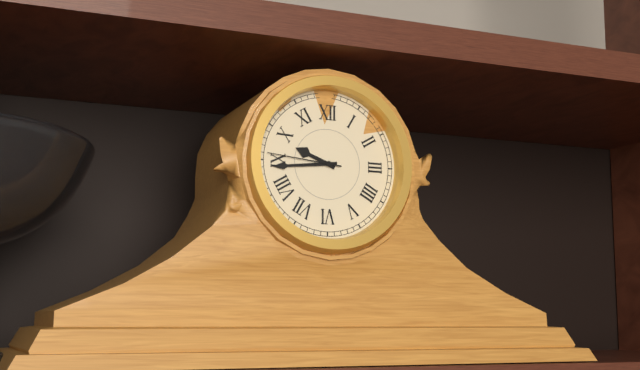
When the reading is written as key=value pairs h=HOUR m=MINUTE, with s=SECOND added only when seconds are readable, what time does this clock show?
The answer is h=9 m=44 s=46
